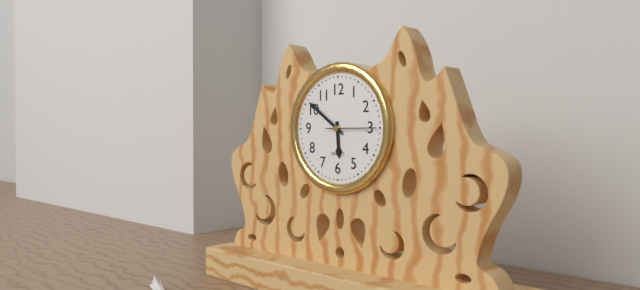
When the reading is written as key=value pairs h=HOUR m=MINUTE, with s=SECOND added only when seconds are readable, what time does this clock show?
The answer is h=5 m=51
